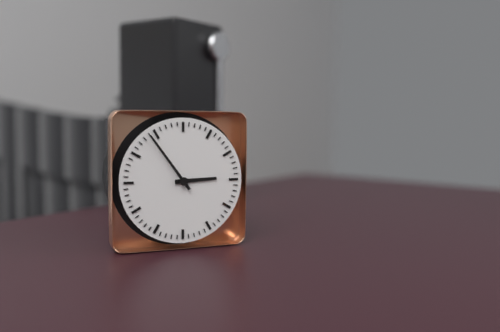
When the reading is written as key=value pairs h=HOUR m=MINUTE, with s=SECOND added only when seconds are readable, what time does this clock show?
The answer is h=2 m=54
